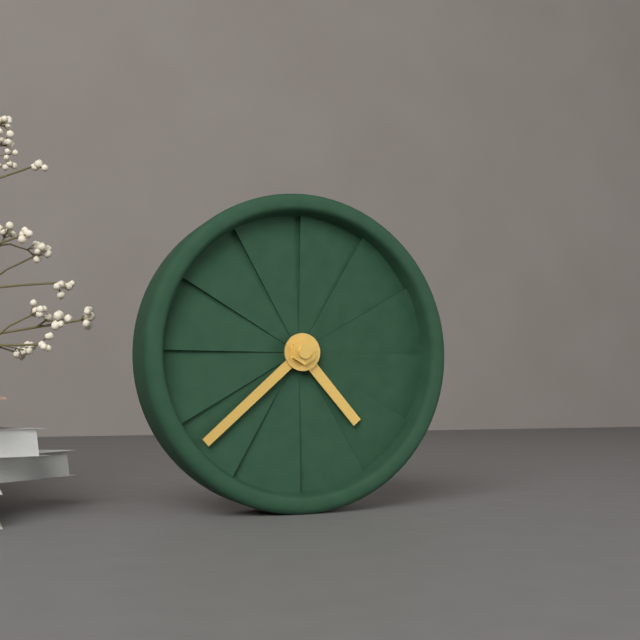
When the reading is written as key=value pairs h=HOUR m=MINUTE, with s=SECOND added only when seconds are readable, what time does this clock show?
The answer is h=4 m=38
